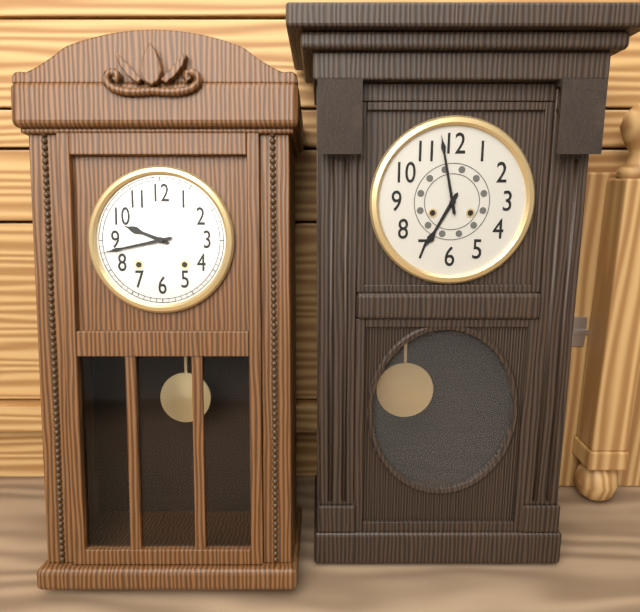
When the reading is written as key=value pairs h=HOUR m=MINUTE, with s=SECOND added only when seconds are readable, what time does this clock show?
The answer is h=9 m=43
